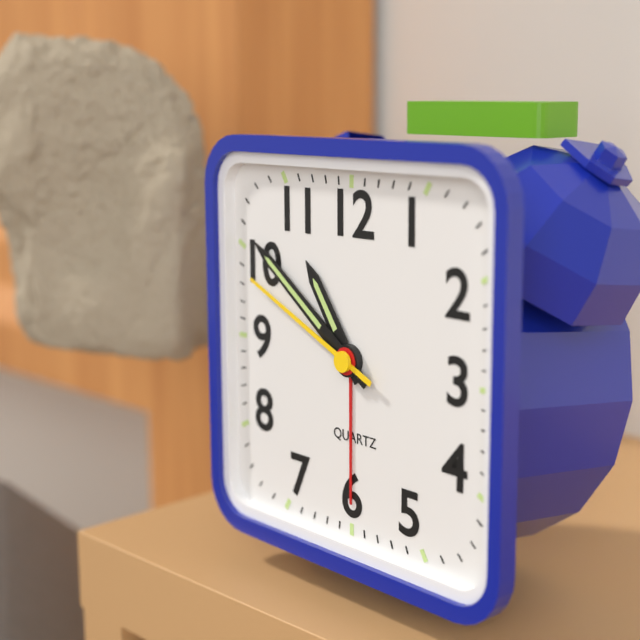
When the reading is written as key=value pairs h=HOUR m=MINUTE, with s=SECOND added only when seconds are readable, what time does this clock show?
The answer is h=10 m=51 s=49
